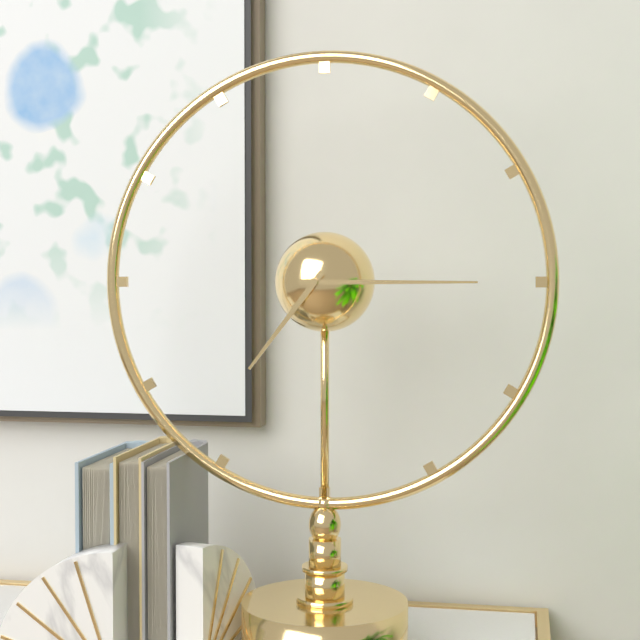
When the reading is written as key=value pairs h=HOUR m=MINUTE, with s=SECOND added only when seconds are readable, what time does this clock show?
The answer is h=7 m=15
